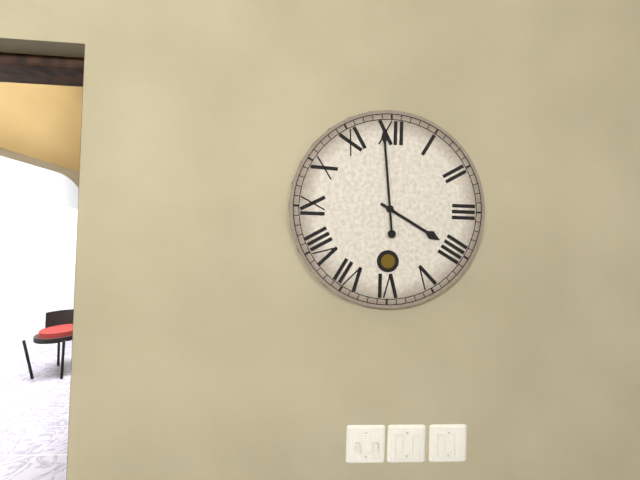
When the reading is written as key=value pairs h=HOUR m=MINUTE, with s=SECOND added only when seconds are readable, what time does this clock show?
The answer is h=3 m=59
